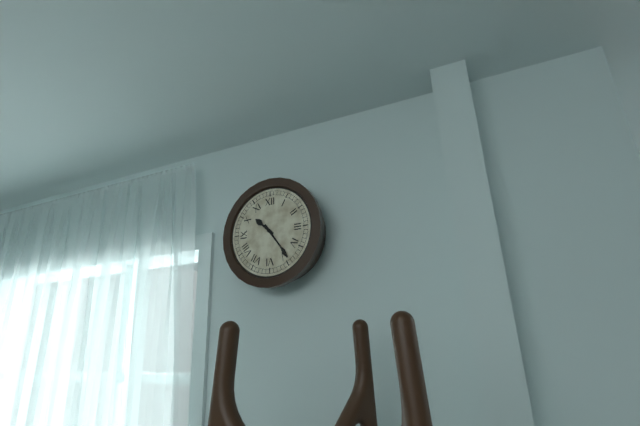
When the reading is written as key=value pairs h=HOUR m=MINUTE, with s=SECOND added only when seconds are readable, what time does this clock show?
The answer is h=10 m=24
